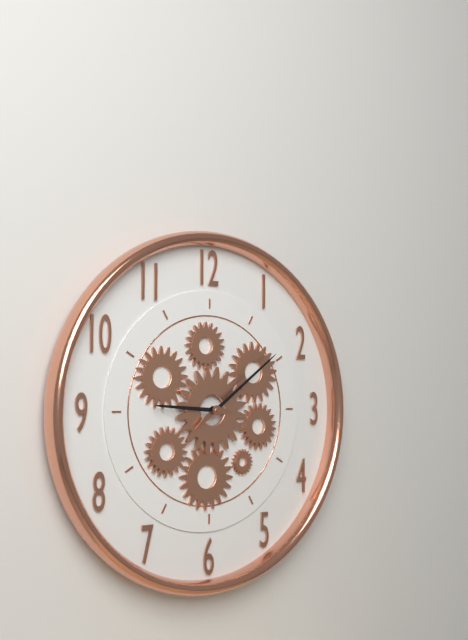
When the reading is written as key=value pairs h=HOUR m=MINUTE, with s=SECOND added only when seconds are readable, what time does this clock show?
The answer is h=9 m=9
